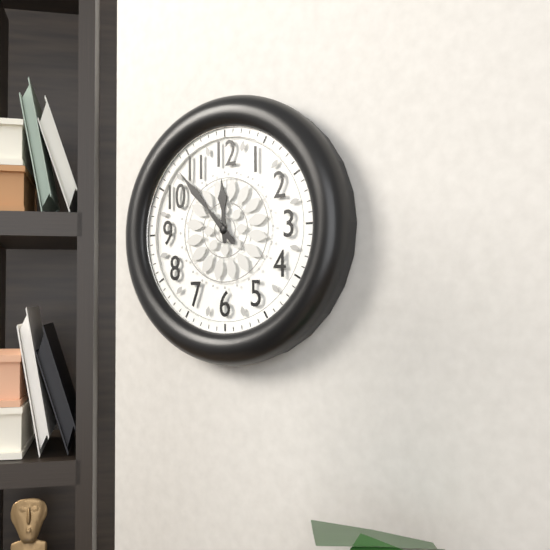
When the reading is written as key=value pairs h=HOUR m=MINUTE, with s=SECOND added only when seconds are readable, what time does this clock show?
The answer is h=11 m=53
